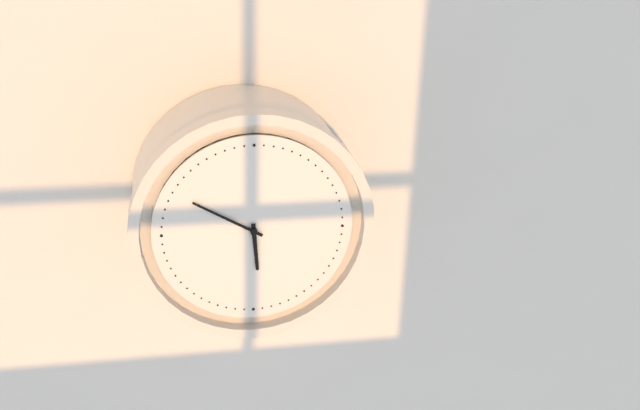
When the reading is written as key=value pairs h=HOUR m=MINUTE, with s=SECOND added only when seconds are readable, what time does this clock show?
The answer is h=5 m=50
